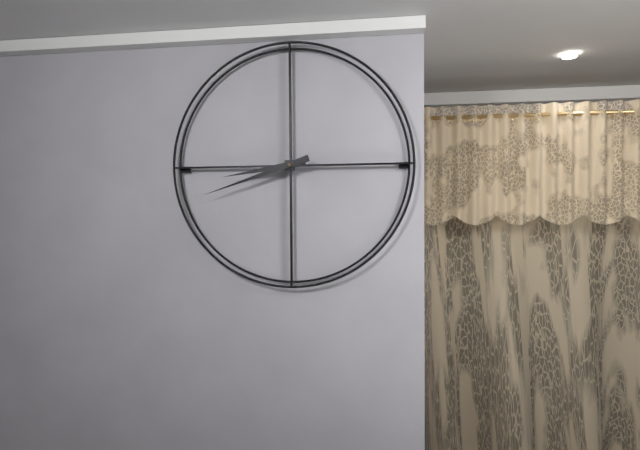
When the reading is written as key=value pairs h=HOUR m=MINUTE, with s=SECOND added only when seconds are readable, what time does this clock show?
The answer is h=8 m=42
